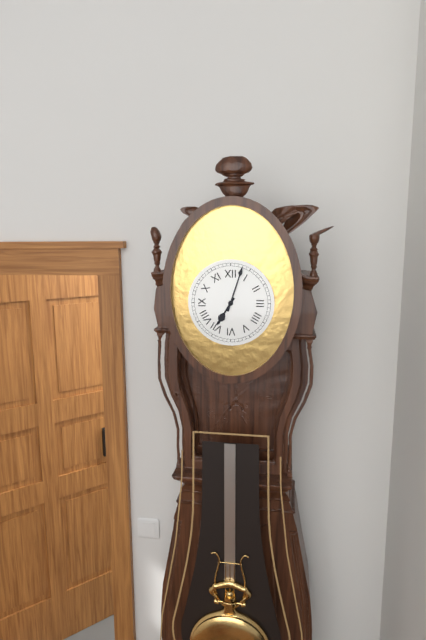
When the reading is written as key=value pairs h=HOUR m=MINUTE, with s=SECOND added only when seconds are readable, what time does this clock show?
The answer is h=7 m=3
